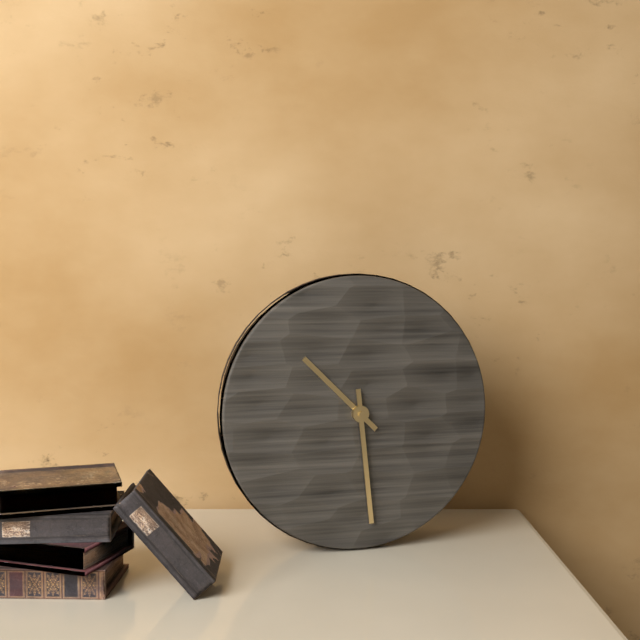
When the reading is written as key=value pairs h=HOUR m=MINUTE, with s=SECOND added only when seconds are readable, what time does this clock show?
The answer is h=10 m=29
